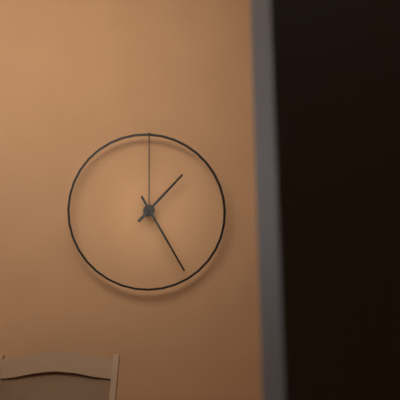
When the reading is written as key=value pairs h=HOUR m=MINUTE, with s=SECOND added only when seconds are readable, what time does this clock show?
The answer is h=1 m=25
